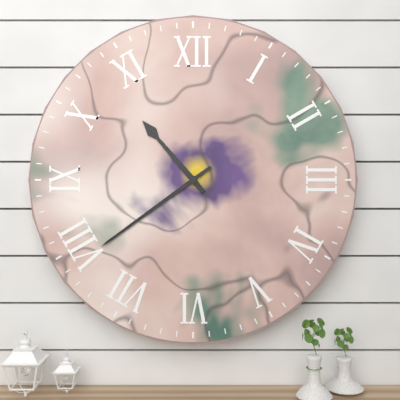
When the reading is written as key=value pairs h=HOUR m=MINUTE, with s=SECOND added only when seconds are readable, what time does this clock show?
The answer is h=10 m=39
